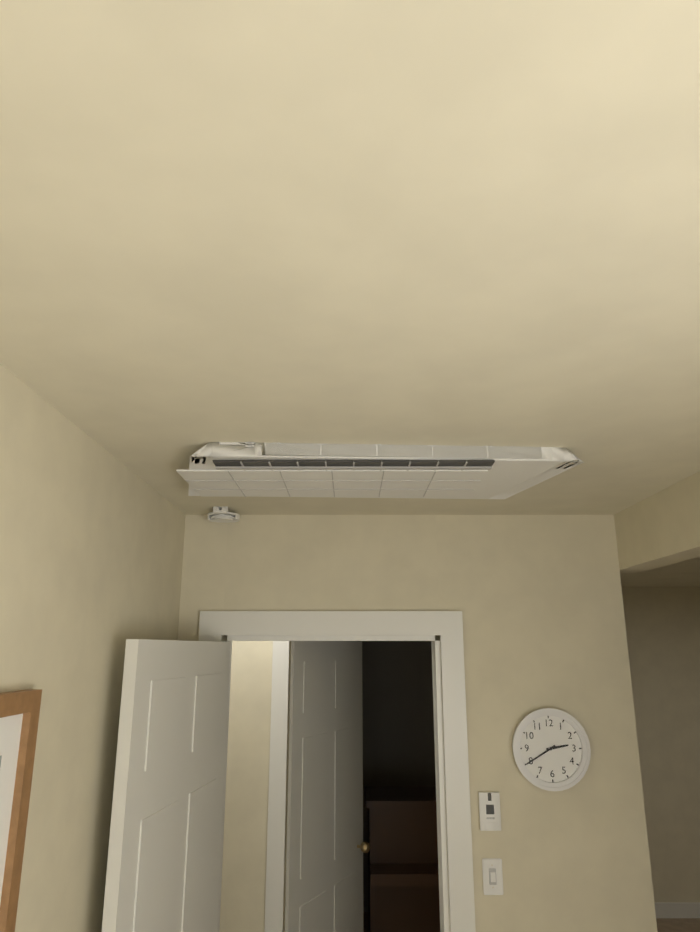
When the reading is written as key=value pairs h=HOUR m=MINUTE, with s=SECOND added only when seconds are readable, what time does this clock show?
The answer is h=2 m=40
